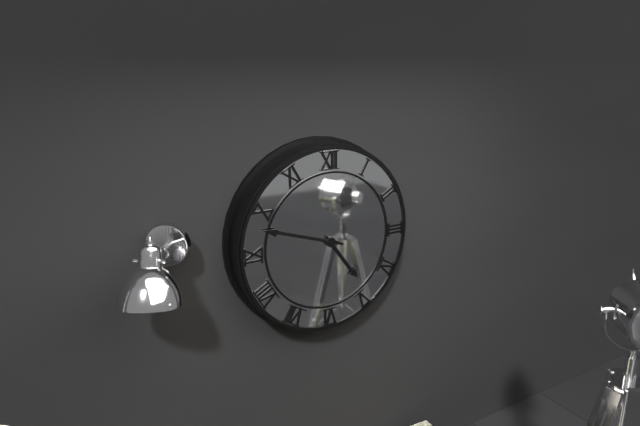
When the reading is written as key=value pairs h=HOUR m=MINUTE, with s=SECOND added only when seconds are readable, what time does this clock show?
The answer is h=4 m=48
